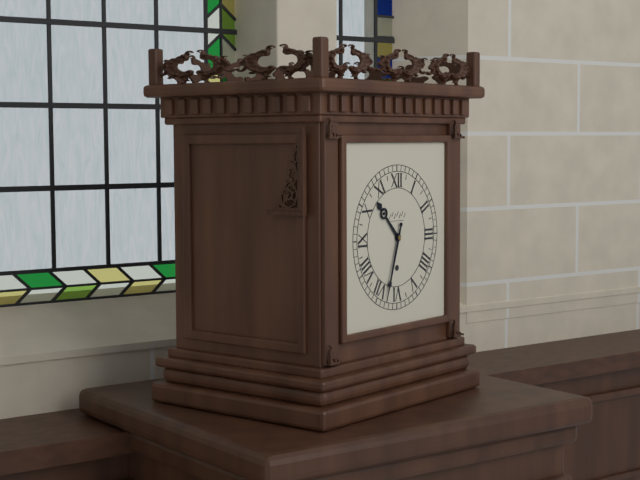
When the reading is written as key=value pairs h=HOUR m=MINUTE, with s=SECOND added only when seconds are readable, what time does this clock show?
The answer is h=10 m=33
